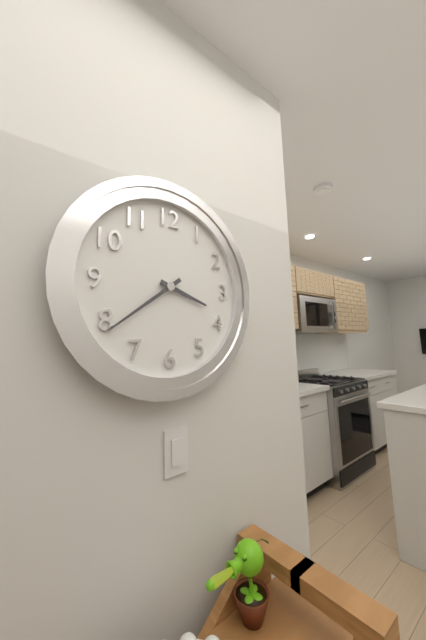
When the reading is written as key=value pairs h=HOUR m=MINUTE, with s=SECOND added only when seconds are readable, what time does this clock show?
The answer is h=3 m=39
